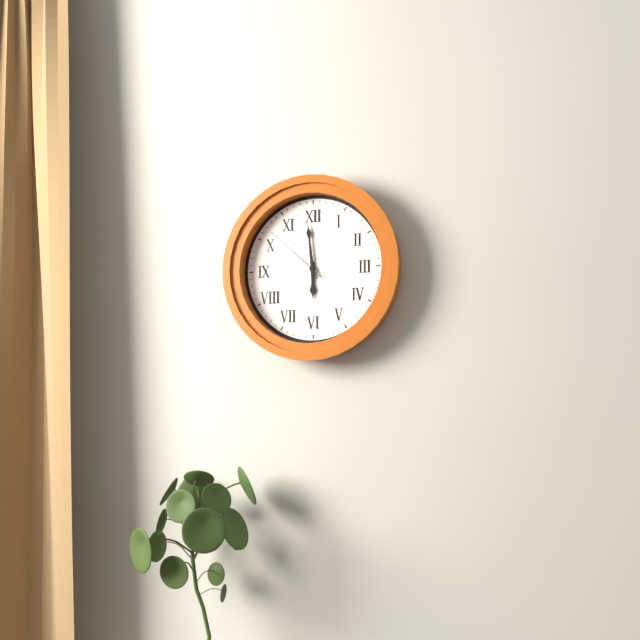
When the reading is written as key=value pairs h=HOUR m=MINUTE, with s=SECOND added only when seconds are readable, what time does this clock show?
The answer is h=5 m=59 s=52
